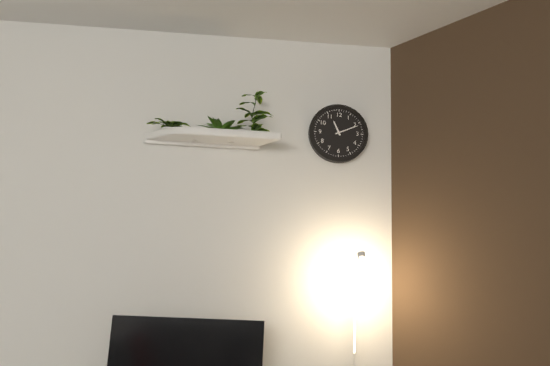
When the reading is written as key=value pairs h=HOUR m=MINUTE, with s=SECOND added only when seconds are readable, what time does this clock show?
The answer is h=11 m=11
